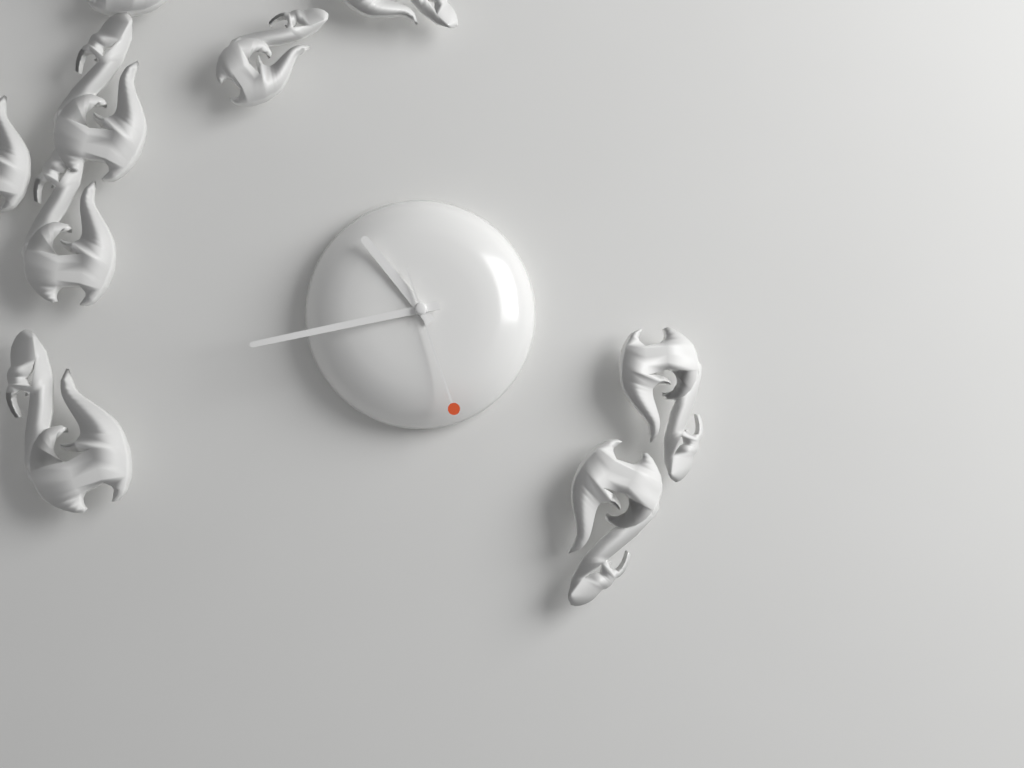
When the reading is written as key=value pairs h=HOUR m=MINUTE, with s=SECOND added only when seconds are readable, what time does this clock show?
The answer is h=10 m=43 s=27
